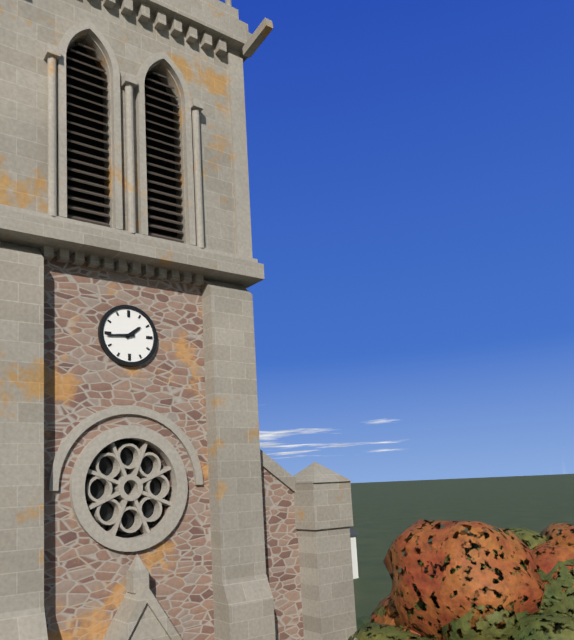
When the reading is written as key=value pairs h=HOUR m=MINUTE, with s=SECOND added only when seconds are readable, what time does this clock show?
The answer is h=1 m=44
